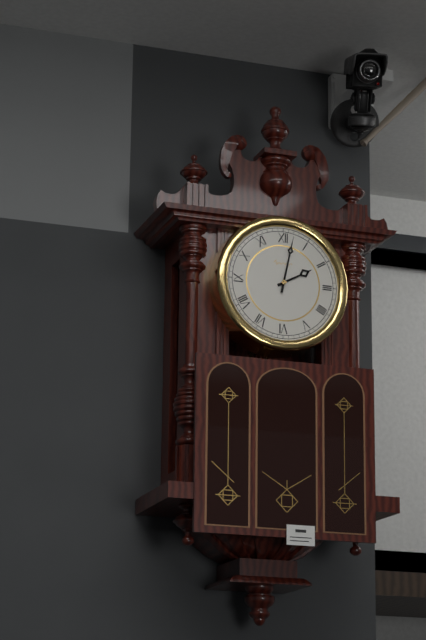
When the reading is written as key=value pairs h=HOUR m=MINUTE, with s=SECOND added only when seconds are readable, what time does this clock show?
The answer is h=2 m=2
